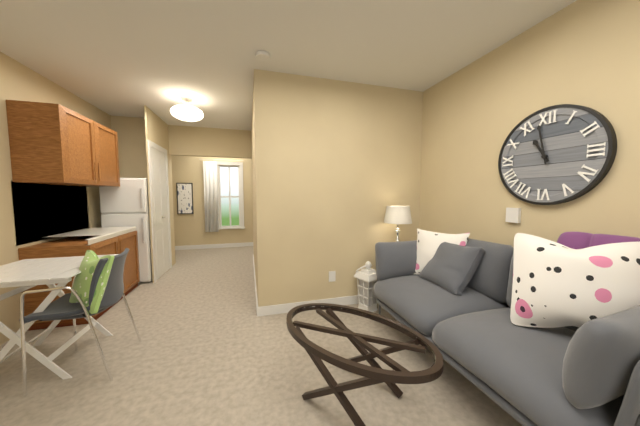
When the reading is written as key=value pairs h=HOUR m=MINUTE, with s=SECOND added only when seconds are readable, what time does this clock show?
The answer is h=10 m=58
